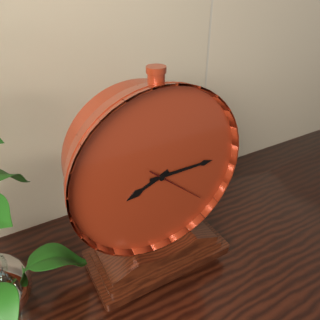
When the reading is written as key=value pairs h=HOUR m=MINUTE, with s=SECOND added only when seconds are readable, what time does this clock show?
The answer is h=8 m=15 s=22
